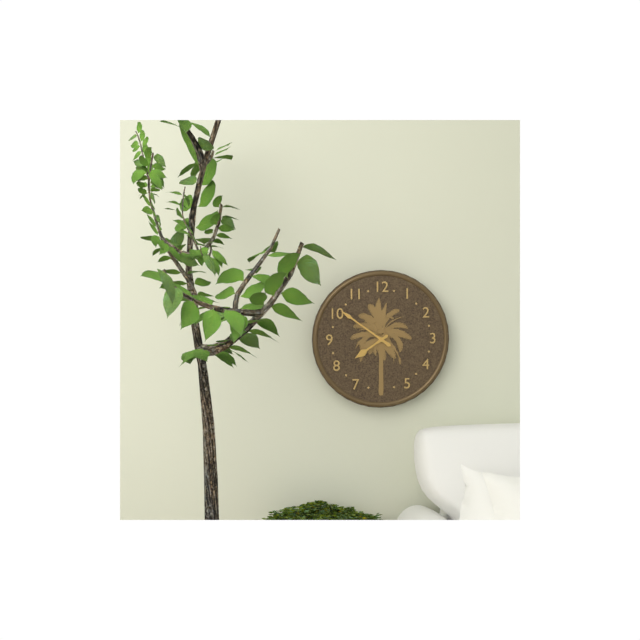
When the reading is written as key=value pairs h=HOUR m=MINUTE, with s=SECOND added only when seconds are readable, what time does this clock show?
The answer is h=7 m=51
